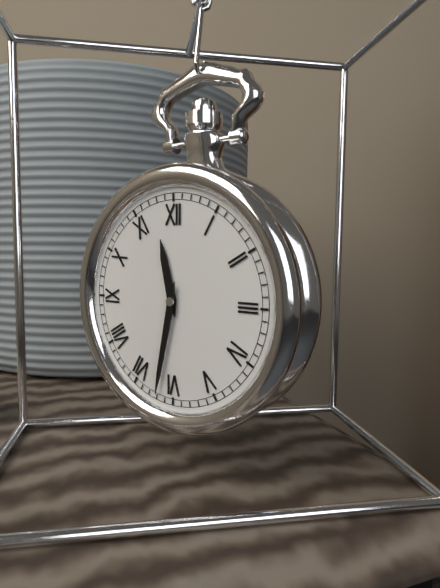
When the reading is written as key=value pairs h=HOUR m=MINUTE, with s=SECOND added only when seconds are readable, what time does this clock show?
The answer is h=11 m=32
